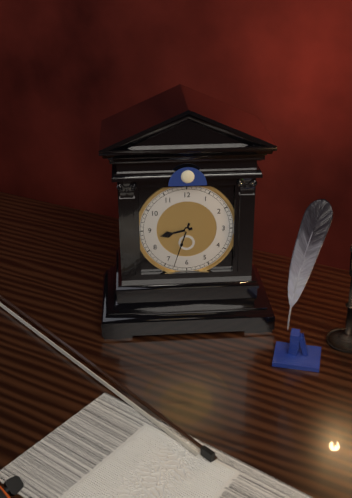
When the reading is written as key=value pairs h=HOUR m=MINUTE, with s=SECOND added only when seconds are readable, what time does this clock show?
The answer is h=8 m=33
